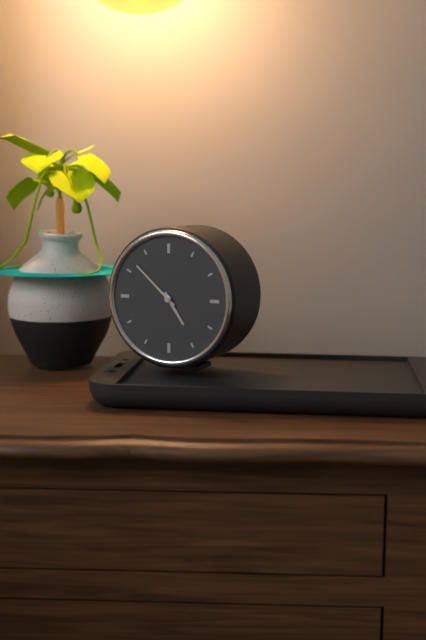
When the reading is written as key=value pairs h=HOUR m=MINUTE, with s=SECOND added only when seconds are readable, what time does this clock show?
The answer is h=4 m=52
